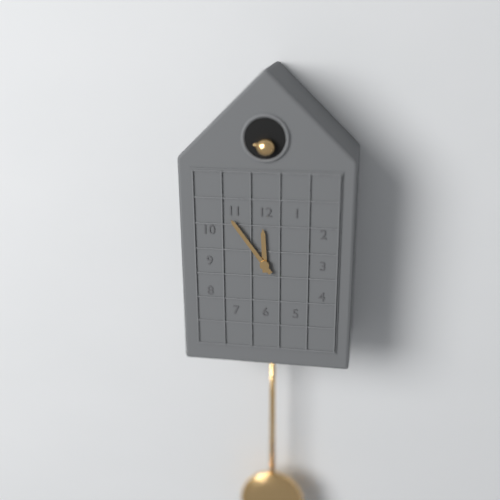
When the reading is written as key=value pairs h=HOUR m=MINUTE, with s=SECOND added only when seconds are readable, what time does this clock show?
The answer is h=11 m=54
